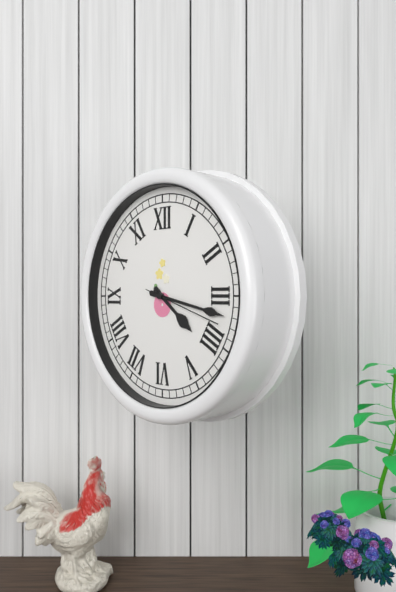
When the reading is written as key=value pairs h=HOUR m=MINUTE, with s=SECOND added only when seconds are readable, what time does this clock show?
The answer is h=4 m=17 s=18
